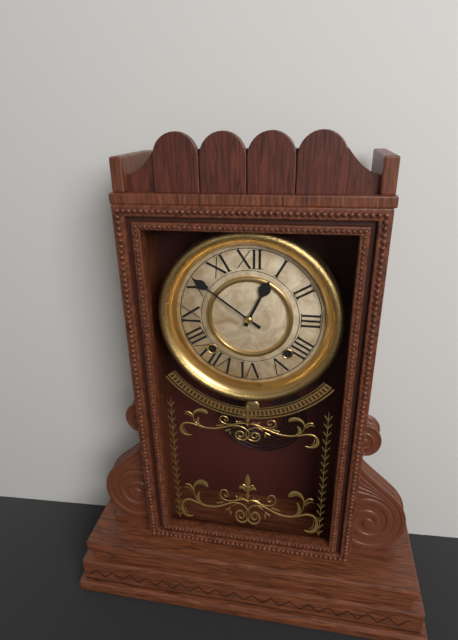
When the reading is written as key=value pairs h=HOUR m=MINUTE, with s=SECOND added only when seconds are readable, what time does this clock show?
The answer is h=12 m=51
